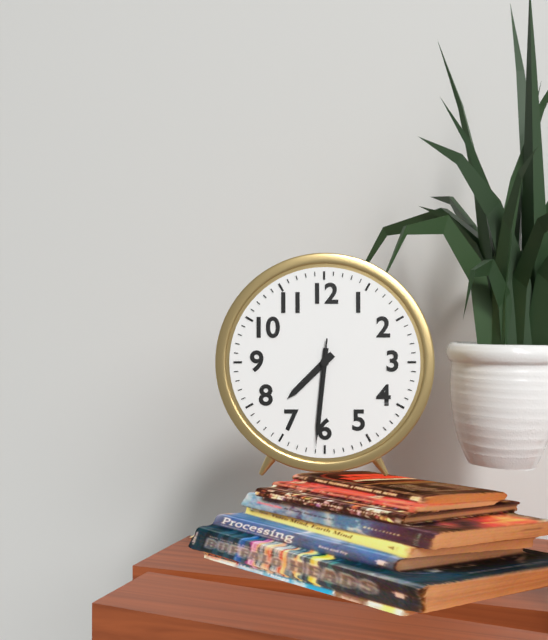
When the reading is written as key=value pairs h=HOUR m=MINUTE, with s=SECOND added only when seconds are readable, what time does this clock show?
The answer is h=7 m=31 s=31
